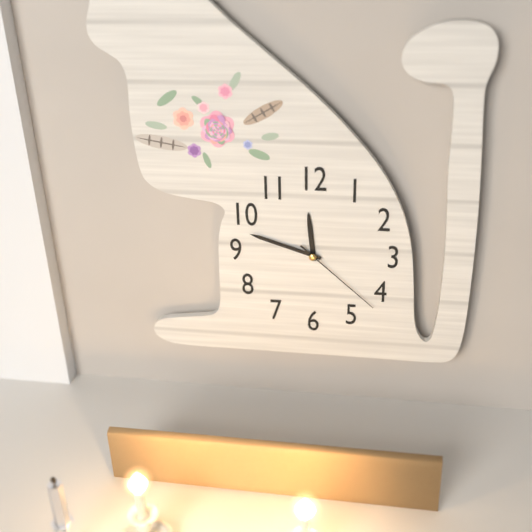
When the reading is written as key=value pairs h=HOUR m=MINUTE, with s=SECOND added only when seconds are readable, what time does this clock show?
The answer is h=11 m=48 s=22
